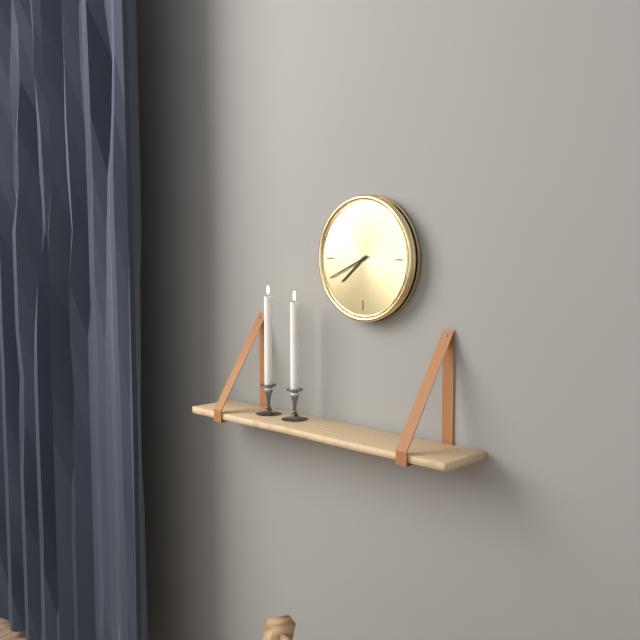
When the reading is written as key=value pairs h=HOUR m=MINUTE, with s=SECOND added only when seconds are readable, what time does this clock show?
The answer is h=7 m=41
